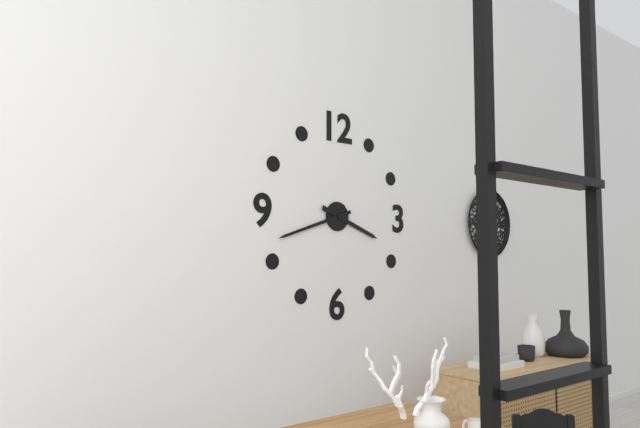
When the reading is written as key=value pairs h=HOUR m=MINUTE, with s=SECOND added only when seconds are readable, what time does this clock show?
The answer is h=3 m=42
